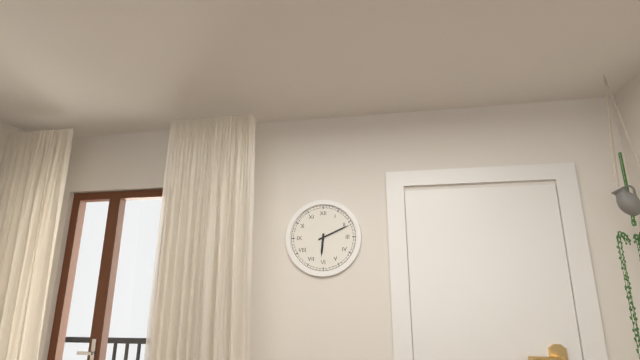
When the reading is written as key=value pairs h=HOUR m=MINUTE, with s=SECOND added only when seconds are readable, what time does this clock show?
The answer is h=6 m=11
